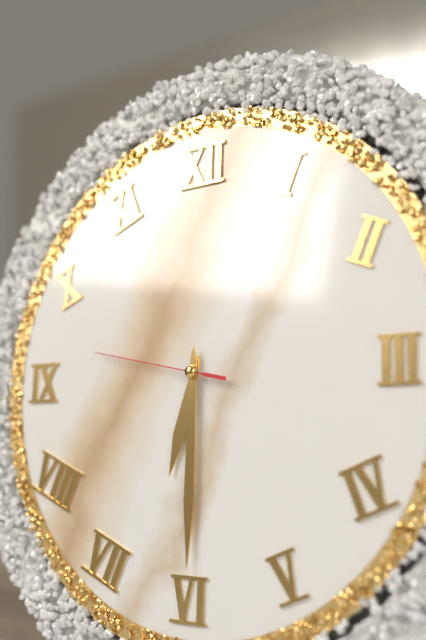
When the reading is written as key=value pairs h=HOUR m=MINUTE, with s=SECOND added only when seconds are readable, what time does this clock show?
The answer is h=6 m=30 s=47
